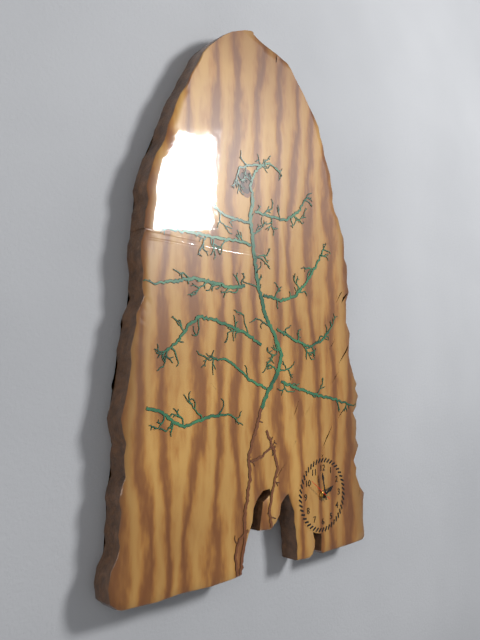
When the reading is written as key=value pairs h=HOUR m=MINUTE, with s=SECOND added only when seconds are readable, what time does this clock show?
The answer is h=1 m=58
